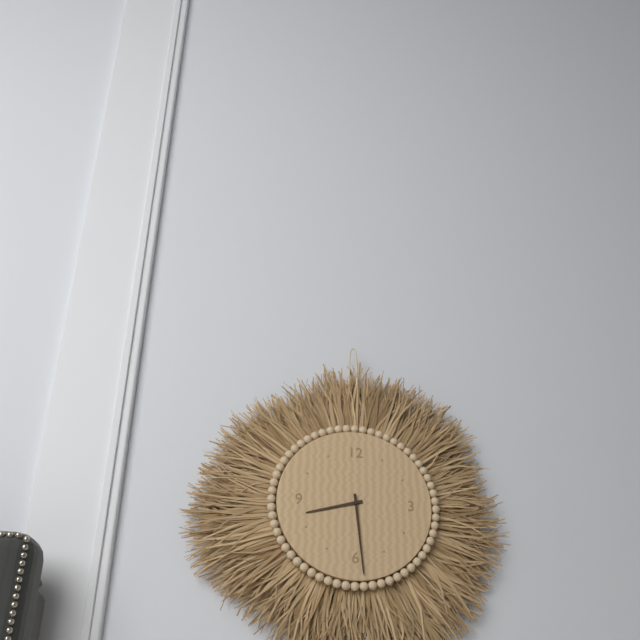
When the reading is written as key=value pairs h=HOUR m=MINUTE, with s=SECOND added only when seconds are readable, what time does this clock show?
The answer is h=8 m=29
